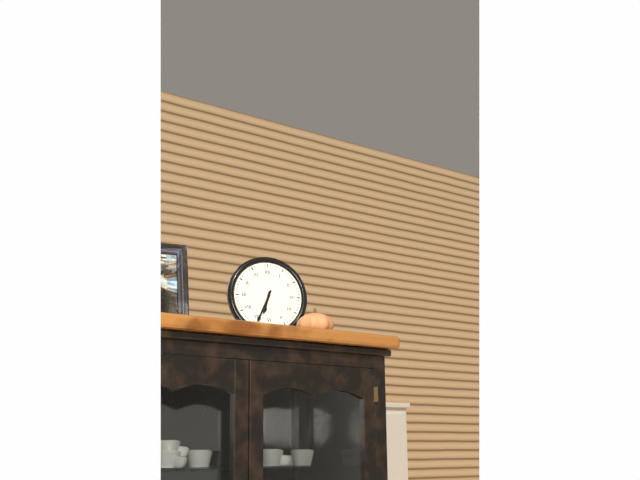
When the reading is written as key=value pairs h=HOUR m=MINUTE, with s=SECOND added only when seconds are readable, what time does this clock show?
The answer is h=6 m=34
